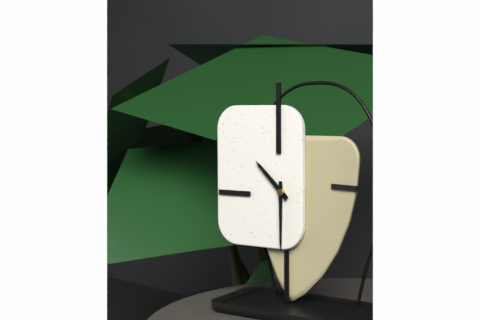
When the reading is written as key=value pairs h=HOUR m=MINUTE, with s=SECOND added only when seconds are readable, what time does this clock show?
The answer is h=10 m=30
